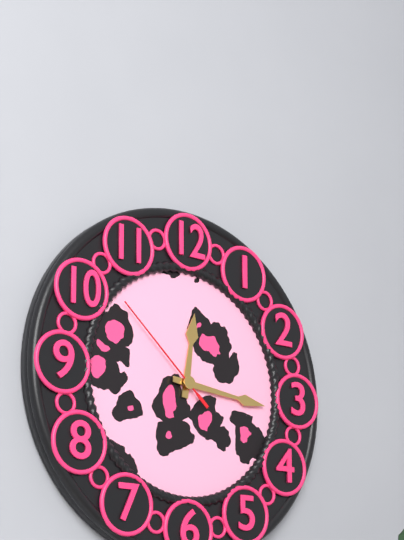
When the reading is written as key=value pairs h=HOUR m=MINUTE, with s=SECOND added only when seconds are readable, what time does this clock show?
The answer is h=12 m=16 s=52
